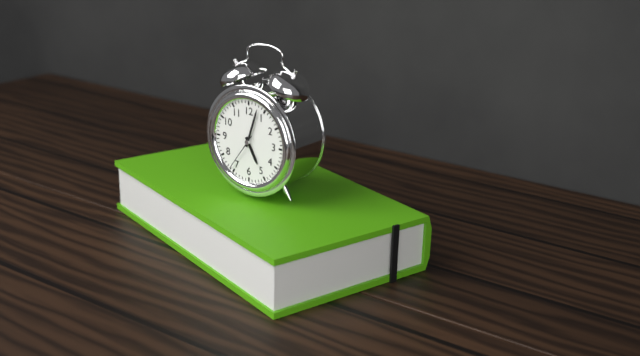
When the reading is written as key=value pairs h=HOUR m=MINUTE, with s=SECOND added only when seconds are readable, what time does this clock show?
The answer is h=5 m=3
